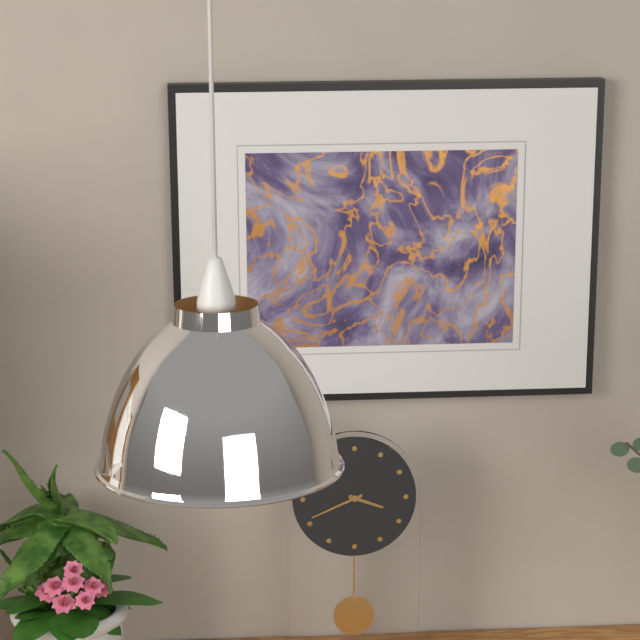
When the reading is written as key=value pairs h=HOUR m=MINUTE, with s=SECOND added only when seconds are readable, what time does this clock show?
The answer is h=3 m=41
